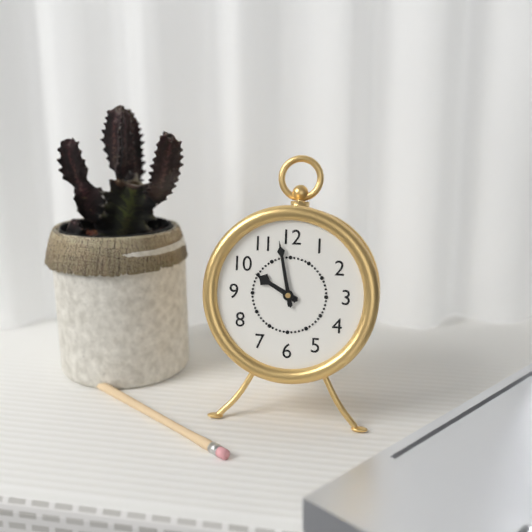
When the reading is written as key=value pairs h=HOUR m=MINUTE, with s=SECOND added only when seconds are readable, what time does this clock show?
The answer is h=9 m=58
